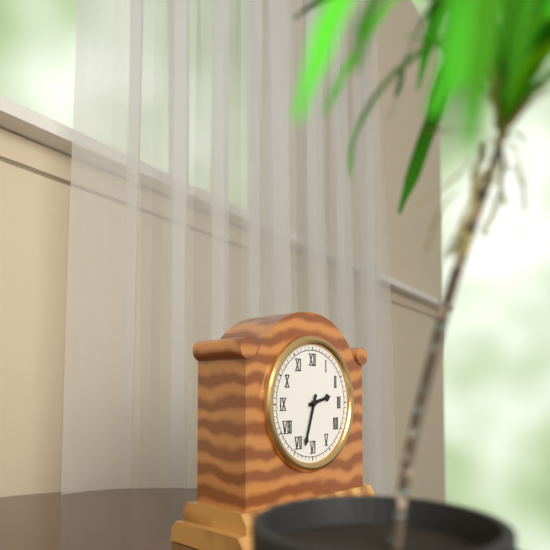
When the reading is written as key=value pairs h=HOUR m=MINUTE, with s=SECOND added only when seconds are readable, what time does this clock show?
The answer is h=2 m=33
